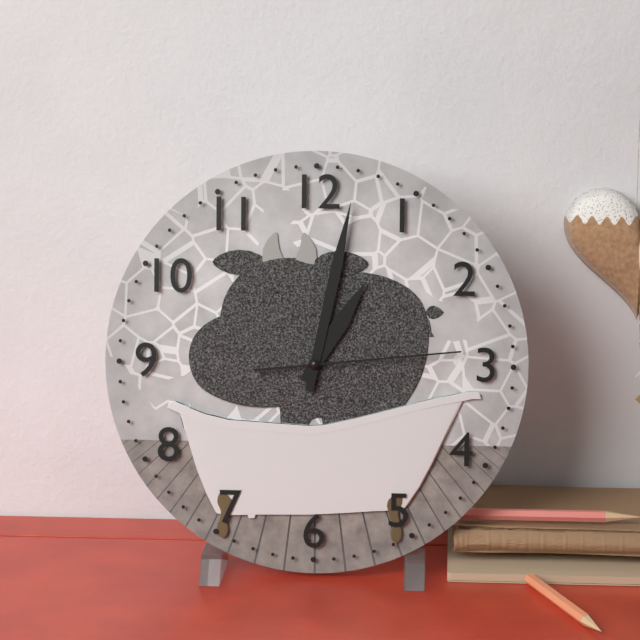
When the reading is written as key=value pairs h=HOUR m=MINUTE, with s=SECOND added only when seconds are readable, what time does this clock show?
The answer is h=1 m=2 s=14
